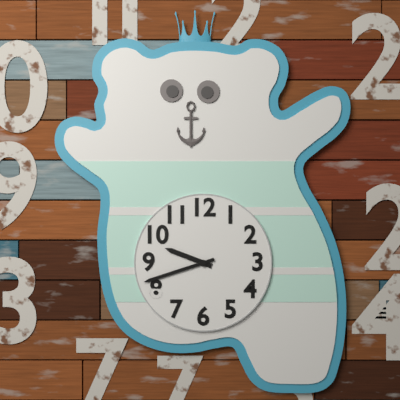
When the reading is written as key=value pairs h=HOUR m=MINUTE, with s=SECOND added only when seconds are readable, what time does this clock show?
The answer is h=9 m=42
